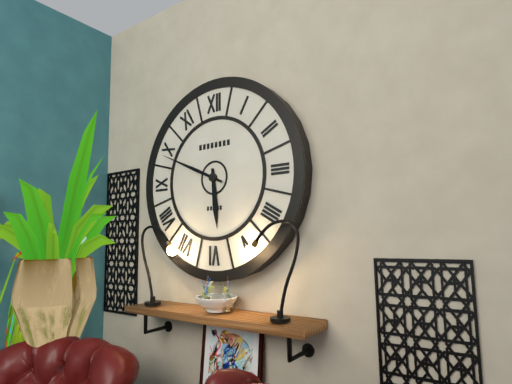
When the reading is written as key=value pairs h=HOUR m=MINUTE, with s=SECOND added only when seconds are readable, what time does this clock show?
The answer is h=5 m=49
